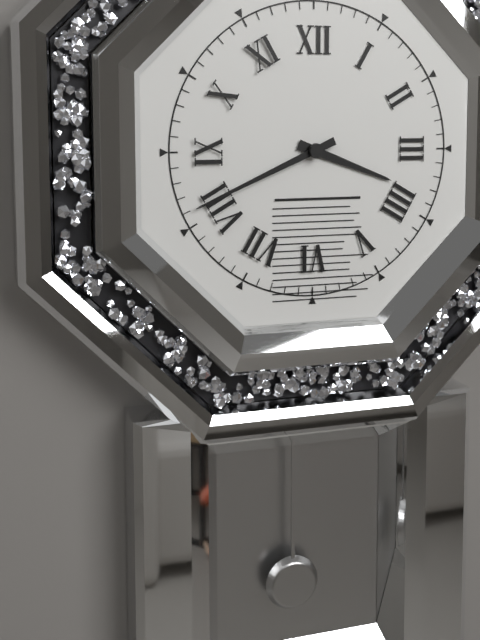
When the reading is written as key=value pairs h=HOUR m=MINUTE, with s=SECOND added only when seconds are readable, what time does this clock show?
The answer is h=3 m=41
